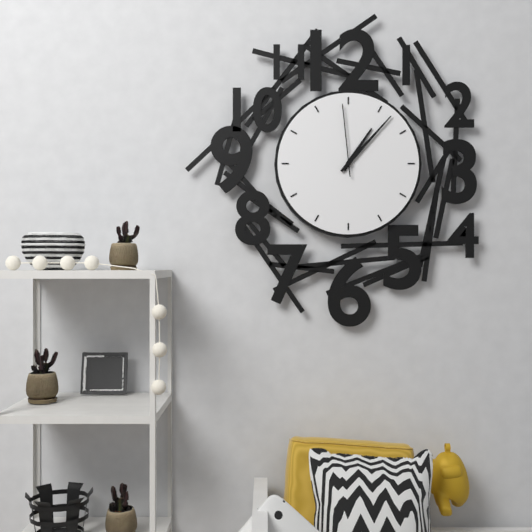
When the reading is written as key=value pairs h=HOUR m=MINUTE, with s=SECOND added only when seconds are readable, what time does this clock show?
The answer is h=1 m=7 s=59
